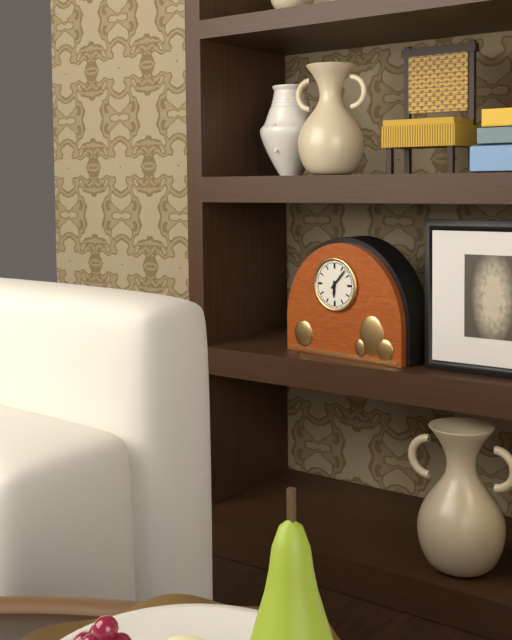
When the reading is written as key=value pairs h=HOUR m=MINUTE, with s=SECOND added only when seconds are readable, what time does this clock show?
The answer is h=6 m=7
